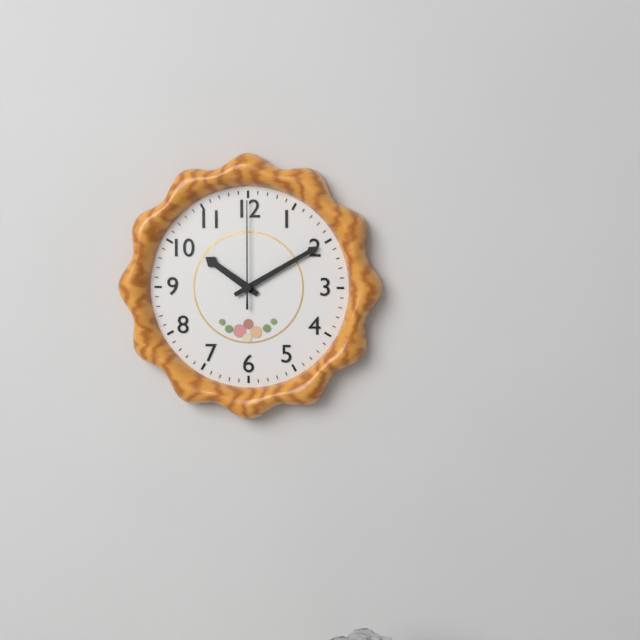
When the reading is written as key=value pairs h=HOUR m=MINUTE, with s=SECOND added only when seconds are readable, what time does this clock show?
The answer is h=10 m=10 s=0
